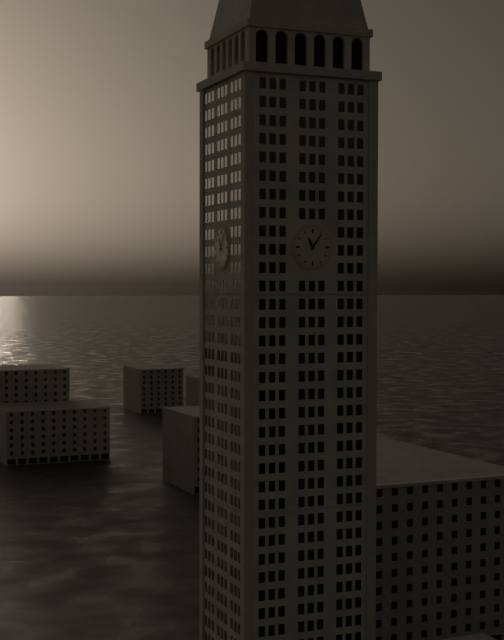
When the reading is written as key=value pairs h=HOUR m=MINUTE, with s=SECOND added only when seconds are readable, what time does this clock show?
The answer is h=11 m=6
